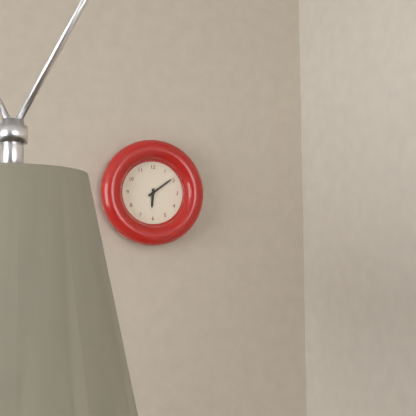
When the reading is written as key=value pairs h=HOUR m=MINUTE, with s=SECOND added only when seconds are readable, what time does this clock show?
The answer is h=6 m=9
